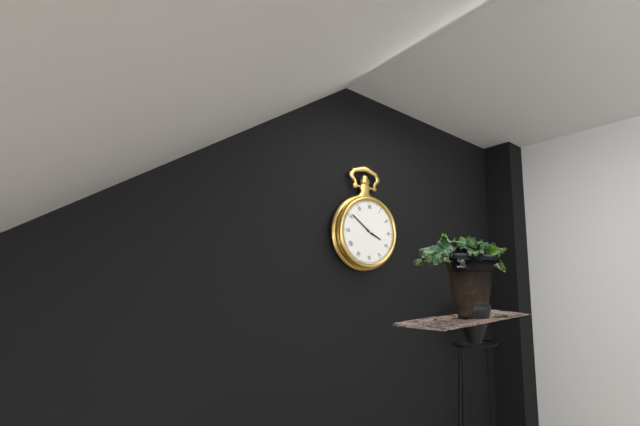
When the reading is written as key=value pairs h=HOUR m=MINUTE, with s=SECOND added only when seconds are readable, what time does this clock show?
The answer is h=3 m=51
